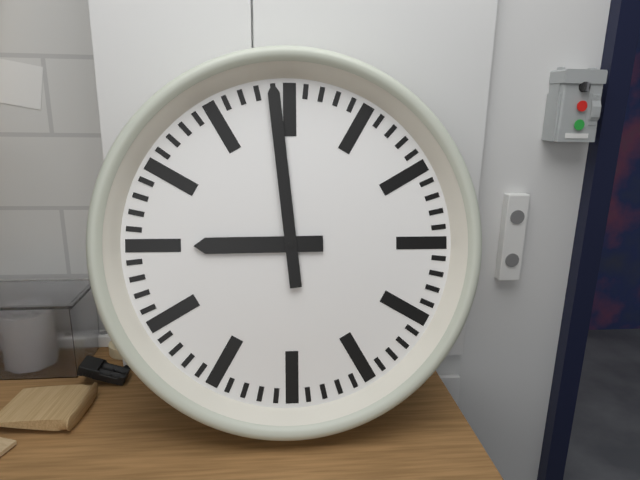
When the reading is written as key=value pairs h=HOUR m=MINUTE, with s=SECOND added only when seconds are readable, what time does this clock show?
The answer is h=8 m=59
